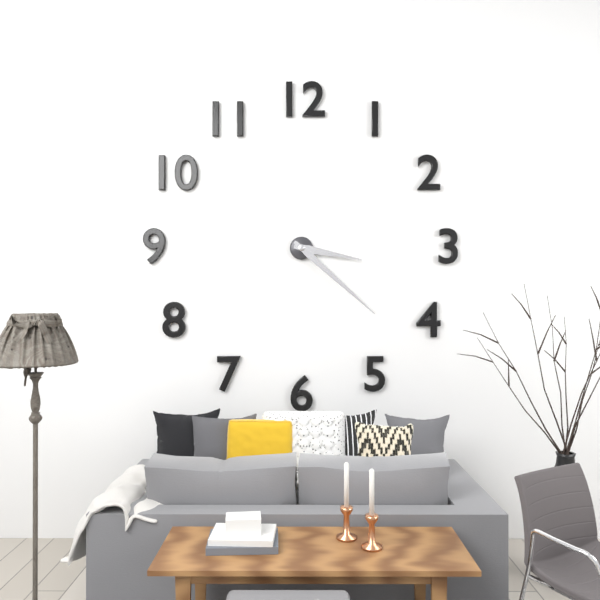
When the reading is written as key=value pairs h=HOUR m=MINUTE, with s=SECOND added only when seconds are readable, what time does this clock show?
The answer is h=3 m=22
